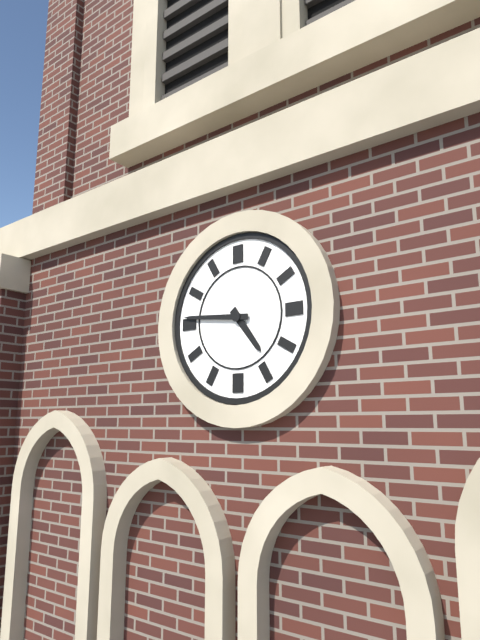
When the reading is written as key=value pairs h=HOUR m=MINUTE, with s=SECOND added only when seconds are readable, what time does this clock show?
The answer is h=4 m=46
